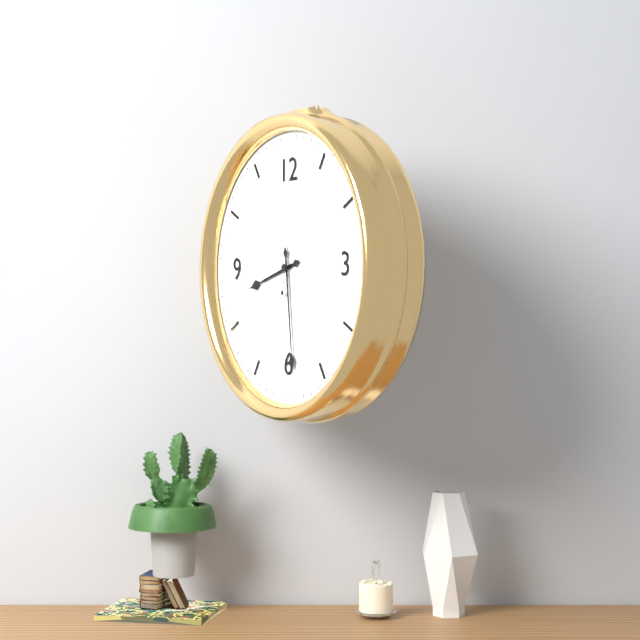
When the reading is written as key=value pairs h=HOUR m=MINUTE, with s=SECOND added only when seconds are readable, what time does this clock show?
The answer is h=8 m=29 s=2
